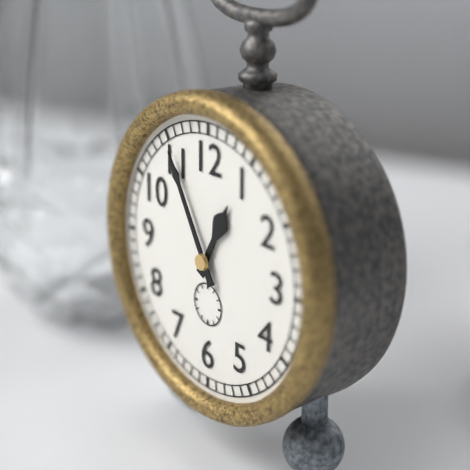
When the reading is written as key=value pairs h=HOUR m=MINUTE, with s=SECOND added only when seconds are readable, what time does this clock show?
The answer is h=12 m=55
